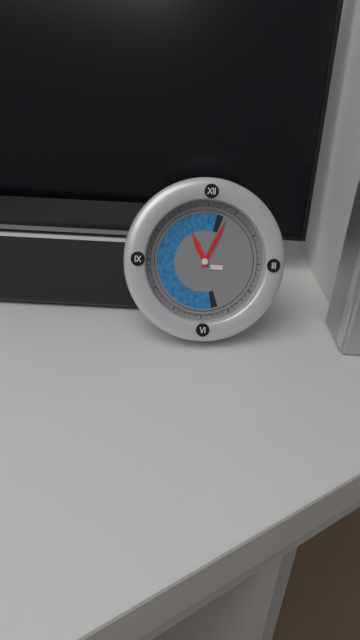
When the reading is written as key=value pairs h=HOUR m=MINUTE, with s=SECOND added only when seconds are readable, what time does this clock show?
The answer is h=11 m=4
